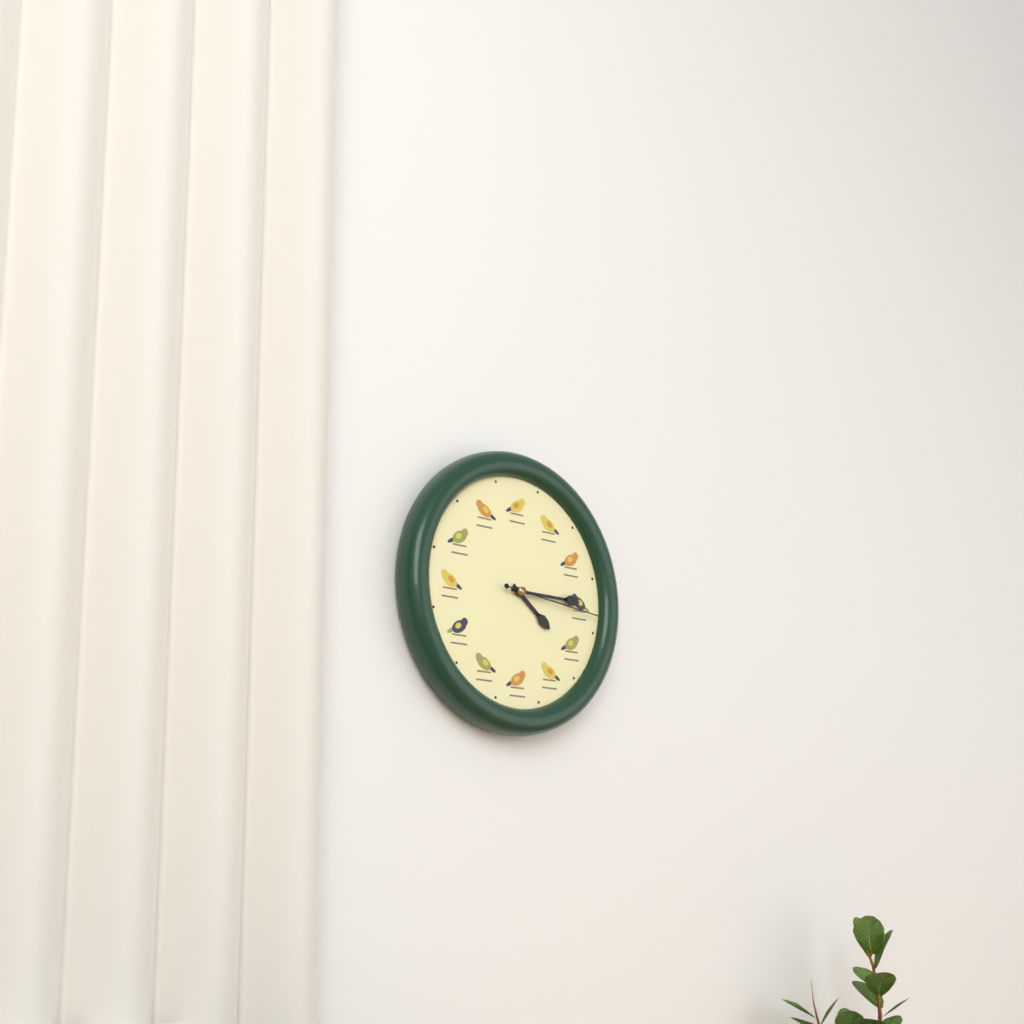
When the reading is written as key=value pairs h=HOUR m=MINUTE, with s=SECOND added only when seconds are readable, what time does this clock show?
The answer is h=4 m=15 s=16
